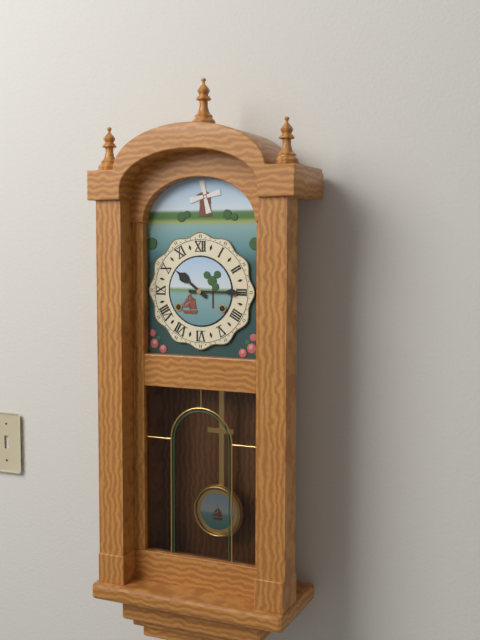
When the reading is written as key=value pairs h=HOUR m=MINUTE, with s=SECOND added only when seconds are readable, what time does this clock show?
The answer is h=10 m=15
